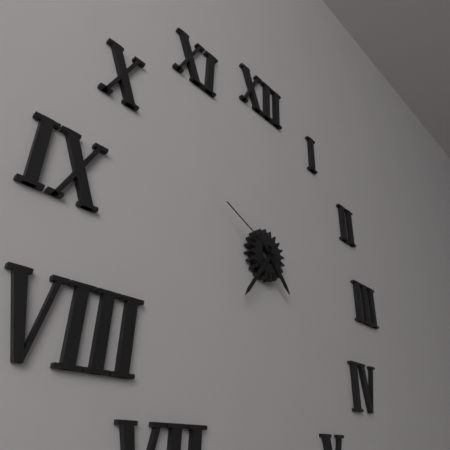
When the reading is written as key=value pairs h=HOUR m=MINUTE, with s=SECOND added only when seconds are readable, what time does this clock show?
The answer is h=4 m=36 s=49
